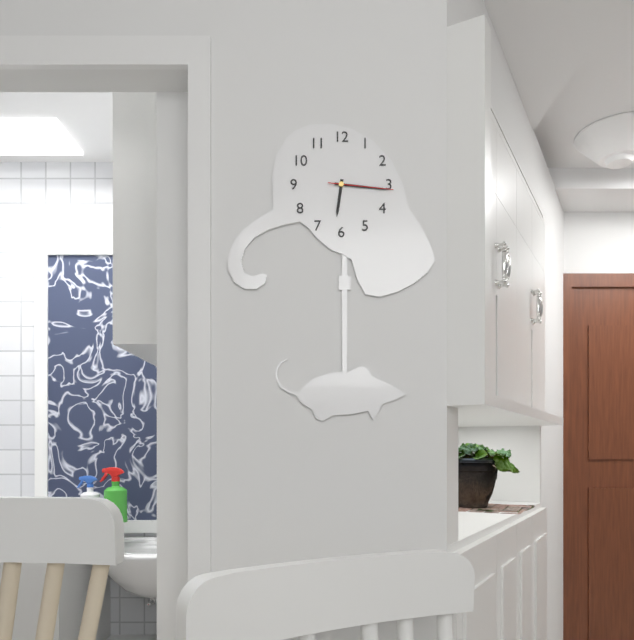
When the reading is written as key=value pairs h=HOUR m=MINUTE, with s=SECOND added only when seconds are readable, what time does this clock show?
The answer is h=6 m=16 s=16
